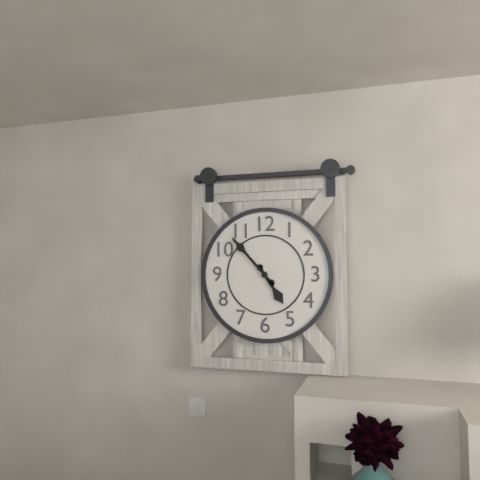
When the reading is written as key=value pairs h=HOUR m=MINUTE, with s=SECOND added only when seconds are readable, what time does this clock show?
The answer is h=4 m=53
